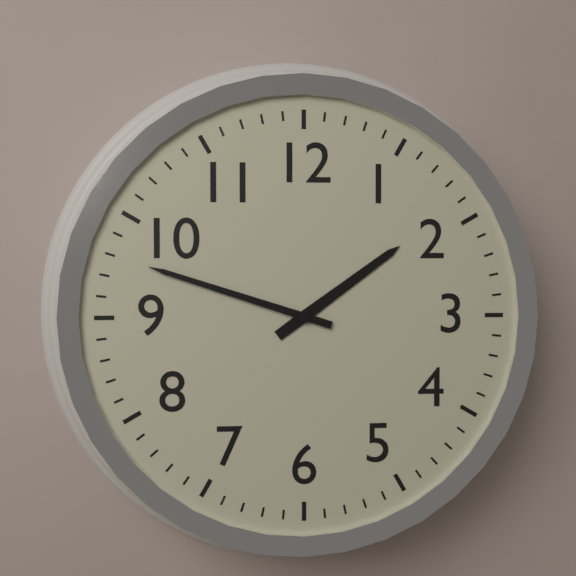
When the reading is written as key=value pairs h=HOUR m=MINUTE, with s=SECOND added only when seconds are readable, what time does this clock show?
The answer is h=1 m=48
